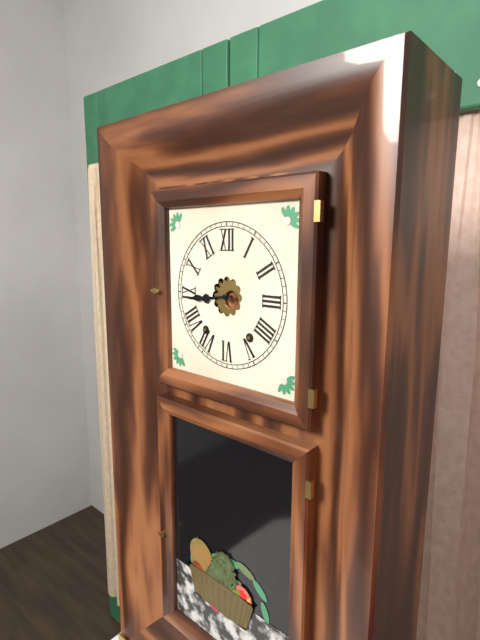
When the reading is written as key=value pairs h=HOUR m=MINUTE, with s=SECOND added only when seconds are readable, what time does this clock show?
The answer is h=8 m=44
